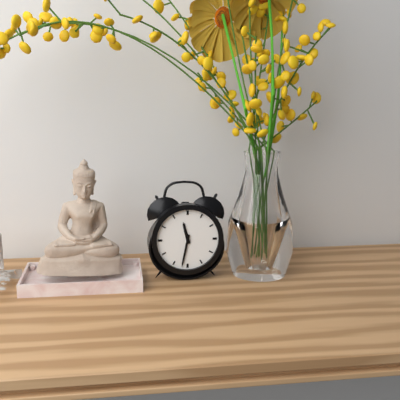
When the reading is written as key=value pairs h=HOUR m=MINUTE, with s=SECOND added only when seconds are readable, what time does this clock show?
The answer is h=11 m=32
